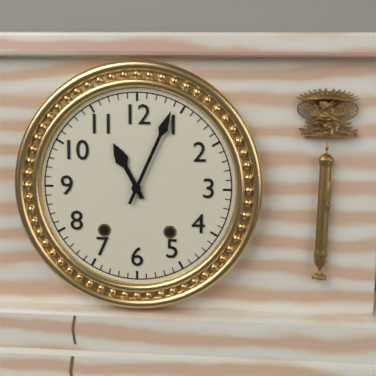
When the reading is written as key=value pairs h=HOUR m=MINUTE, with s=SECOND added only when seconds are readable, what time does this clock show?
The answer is h=11 m=4
